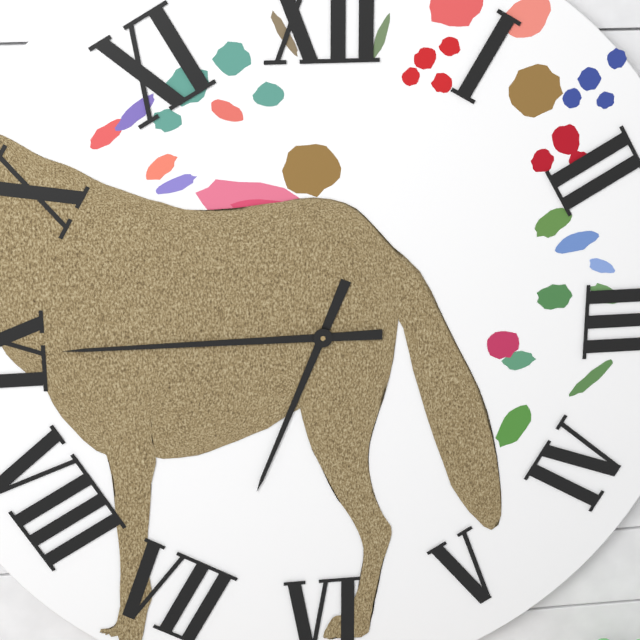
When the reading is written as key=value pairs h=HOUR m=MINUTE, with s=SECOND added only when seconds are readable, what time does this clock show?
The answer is h=6 m=45
